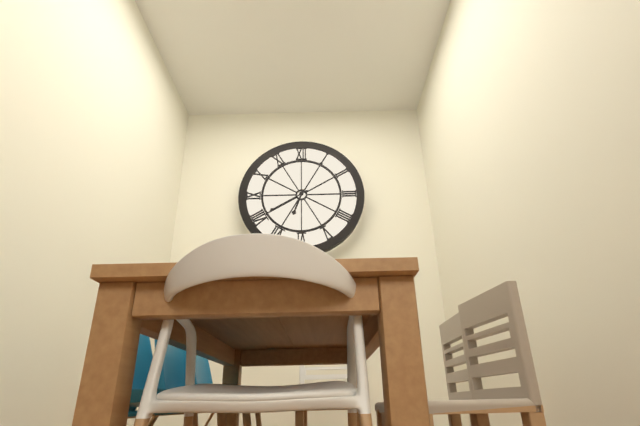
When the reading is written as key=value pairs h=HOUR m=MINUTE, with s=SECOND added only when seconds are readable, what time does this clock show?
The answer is h=6 m=40
